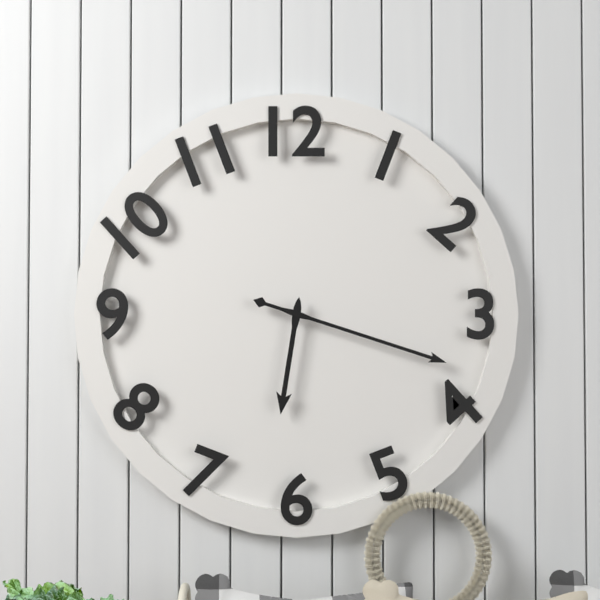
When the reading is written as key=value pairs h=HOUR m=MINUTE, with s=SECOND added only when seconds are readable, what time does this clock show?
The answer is h=6 m=18
